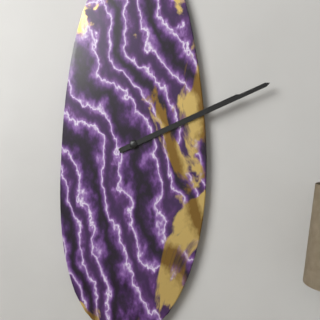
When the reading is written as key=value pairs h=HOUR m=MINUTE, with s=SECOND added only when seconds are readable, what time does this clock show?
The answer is h=2 m=11
